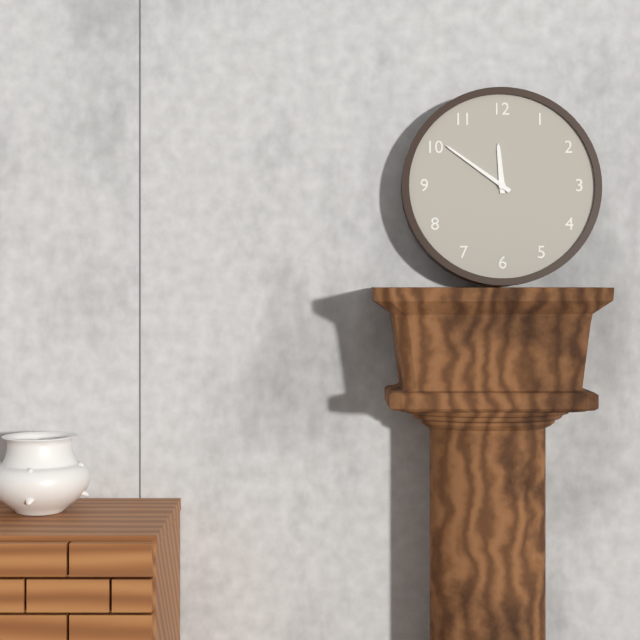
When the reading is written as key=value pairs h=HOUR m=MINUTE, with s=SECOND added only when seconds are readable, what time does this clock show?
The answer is h=11 m=51
